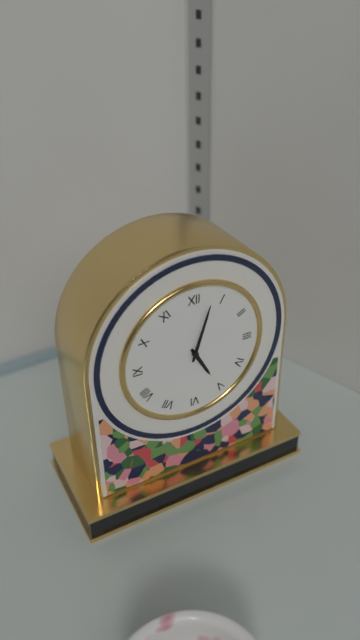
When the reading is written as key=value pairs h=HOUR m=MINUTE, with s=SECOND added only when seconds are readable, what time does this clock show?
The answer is h=5 m=3
